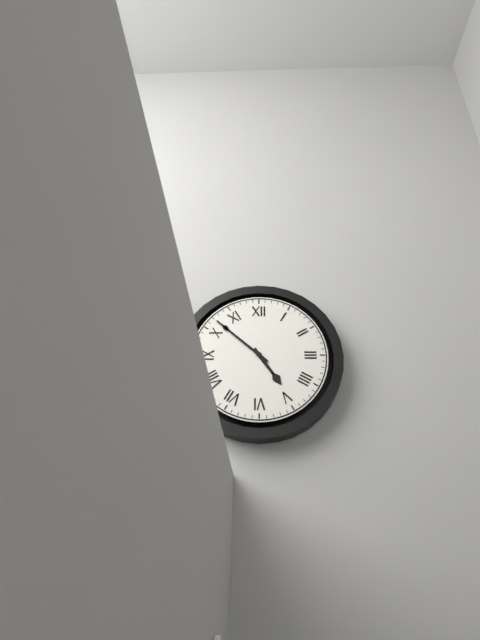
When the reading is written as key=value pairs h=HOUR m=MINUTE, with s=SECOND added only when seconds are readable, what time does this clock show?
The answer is h=4 m=52
